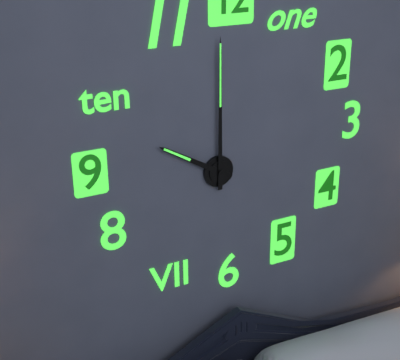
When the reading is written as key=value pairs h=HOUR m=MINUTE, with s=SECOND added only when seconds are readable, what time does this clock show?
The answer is h=10 m=0
